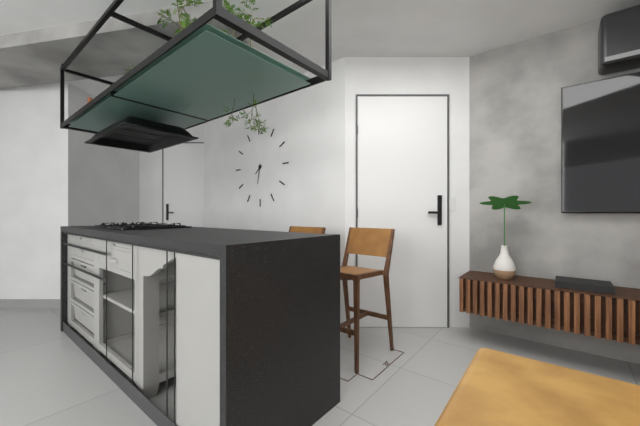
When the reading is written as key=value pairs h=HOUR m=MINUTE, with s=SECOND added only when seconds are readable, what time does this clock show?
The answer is h=7 m=32
